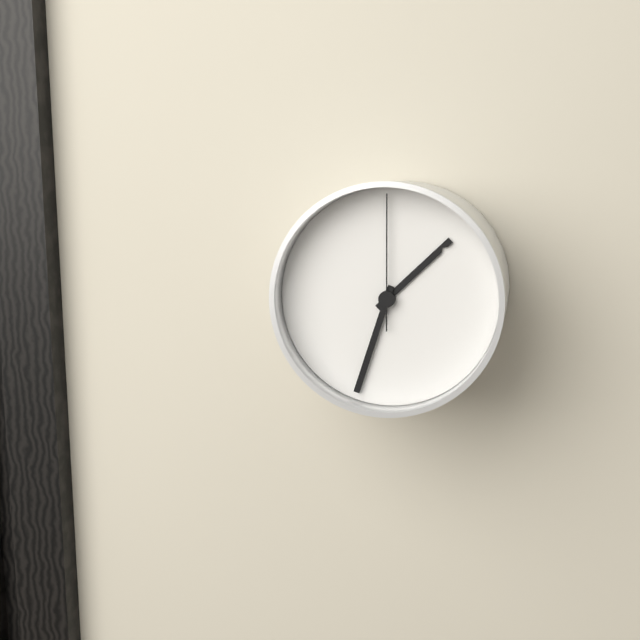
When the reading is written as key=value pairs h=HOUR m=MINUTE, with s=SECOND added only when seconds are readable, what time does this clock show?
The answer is h=1 m=33 s=0
